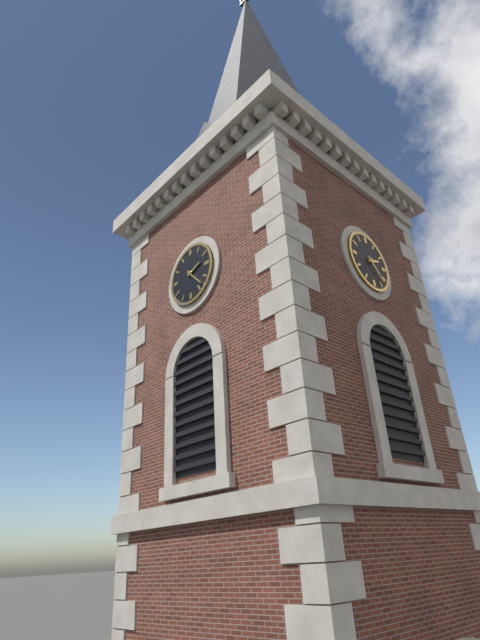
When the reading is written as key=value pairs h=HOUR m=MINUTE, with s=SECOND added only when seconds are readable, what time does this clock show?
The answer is h=2 m=23
